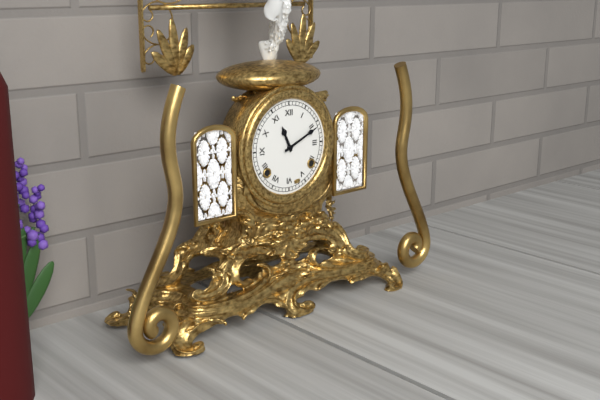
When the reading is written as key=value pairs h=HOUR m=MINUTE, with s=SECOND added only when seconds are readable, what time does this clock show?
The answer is h=11 m=11
